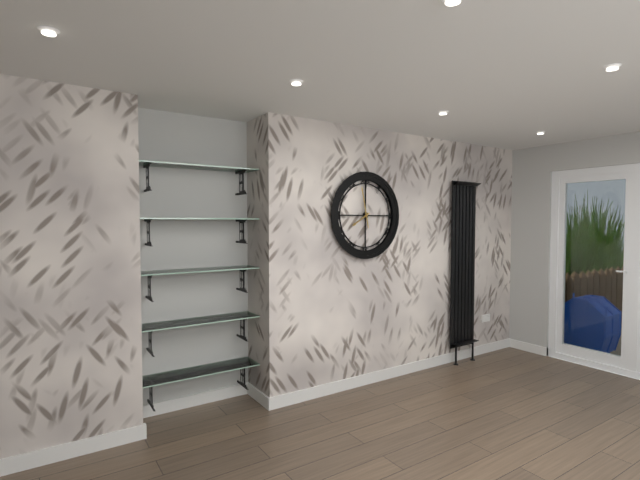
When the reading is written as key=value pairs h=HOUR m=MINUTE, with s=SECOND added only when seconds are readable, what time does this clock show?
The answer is h=7 m=58
